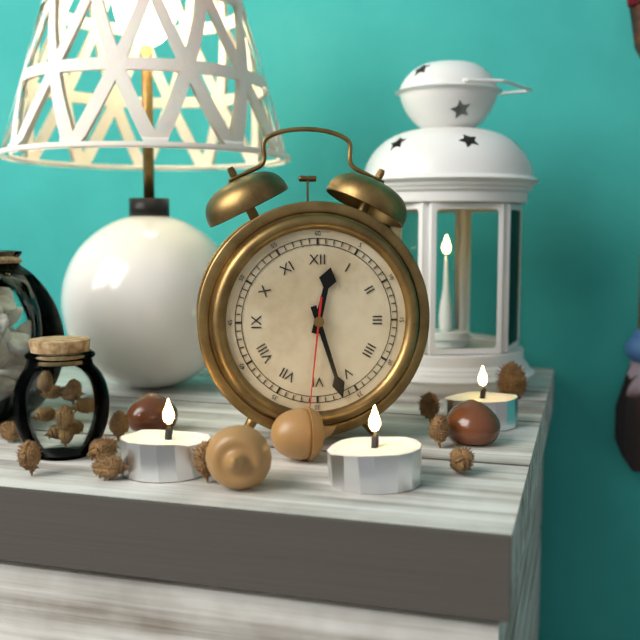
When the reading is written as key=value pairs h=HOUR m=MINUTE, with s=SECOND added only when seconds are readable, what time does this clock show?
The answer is h=12 m=27 s=31
